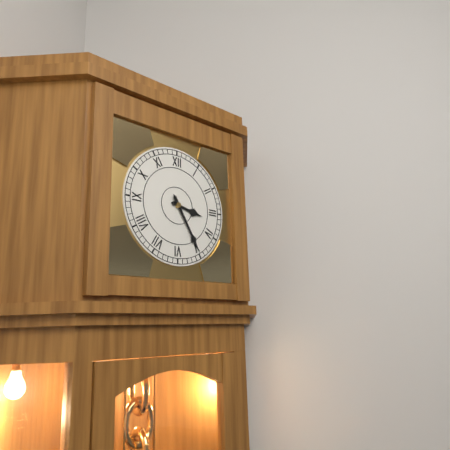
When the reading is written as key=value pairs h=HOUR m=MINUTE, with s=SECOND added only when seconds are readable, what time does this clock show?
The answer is h=3 m=25
